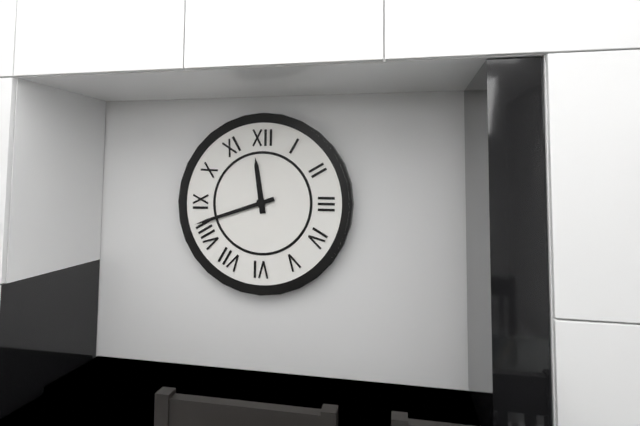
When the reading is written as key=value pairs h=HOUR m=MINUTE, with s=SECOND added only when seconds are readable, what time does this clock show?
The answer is h=11 m=42
